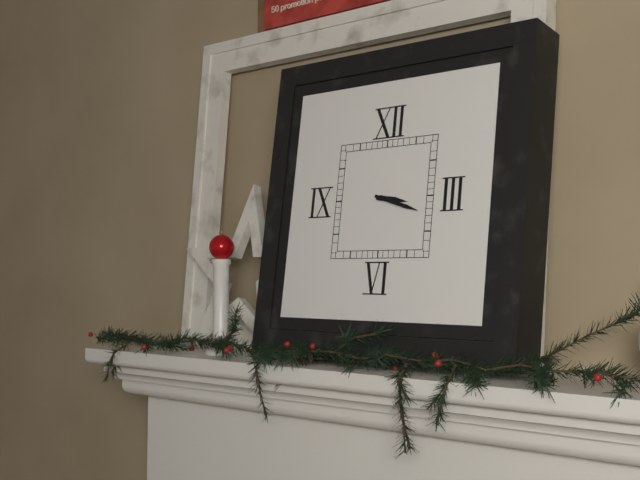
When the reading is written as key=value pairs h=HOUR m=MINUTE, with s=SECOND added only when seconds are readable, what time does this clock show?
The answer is h=3 m=18
